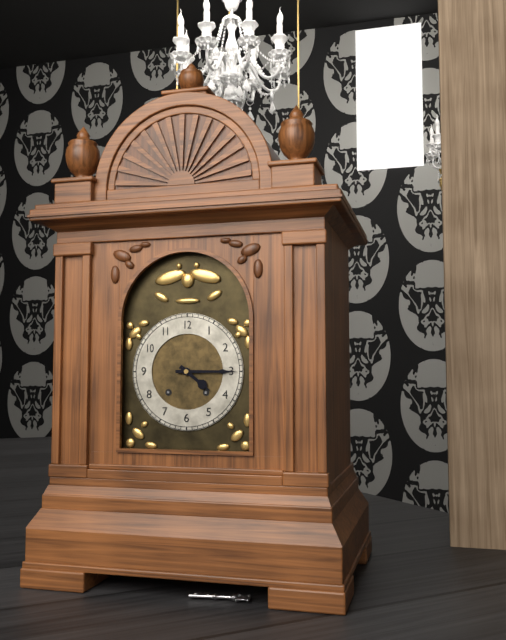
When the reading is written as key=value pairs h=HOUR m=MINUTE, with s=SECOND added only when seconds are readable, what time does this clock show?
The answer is h=4 m=15
